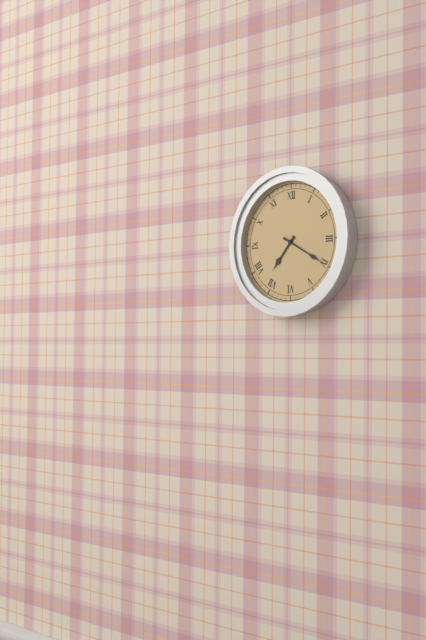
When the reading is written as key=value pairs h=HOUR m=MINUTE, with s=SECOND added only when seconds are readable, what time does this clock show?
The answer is h=7 m=20
